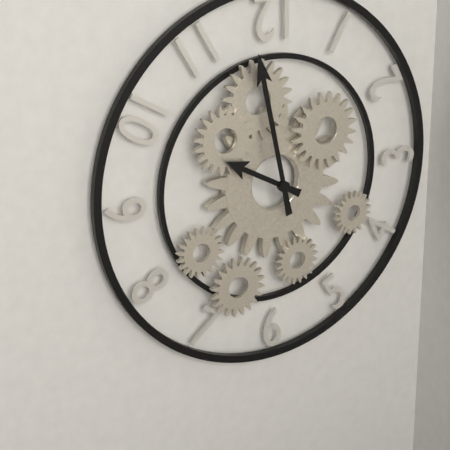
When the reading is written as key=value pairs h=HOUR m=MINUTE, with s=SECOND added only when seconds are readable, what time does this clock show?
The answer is h=9 m=58
